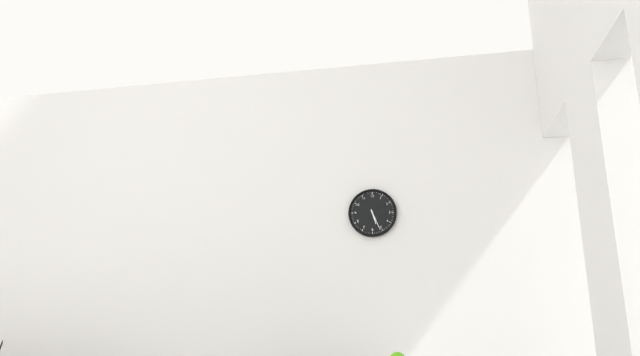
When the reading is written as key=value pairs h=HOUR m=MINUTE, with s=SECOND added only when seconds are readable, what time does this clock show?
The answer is h=5 m=26
